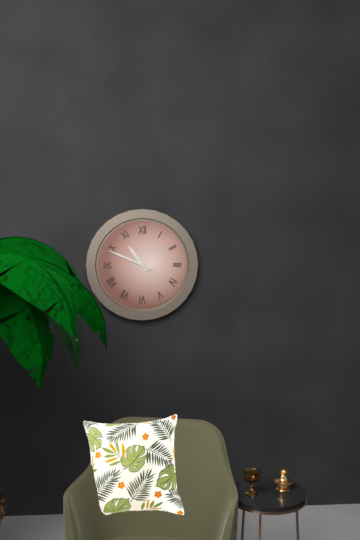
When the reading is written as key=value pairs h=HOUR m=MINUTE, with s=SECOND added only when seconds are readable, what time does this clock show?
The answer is h=10 m=49
